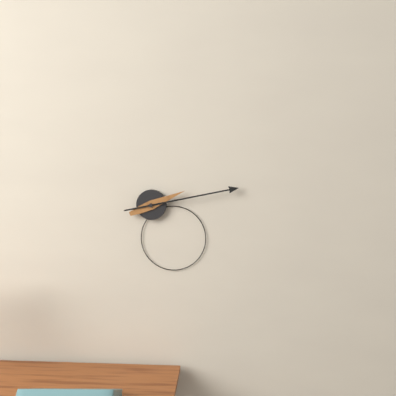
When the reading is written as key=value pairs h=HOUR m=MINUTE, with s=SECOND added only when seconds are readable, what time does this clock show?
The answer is h=2 m=13
